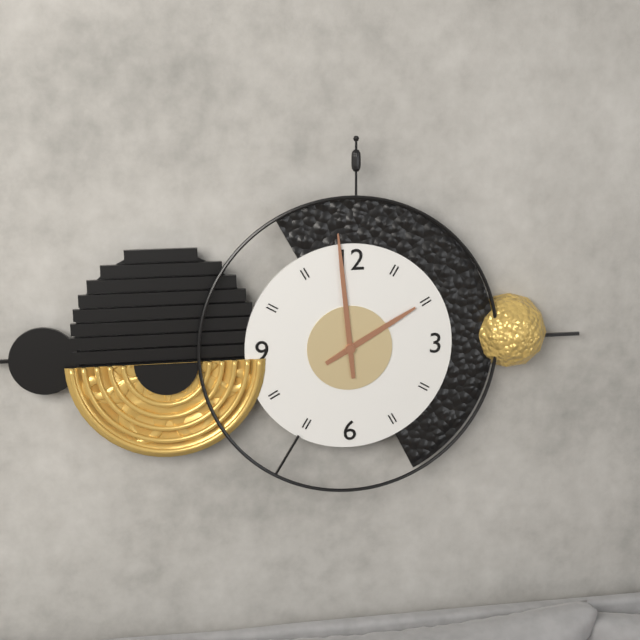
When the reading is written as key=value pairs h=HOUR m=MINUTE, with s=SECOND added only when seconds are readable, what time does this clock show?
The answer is h=1 m=59
